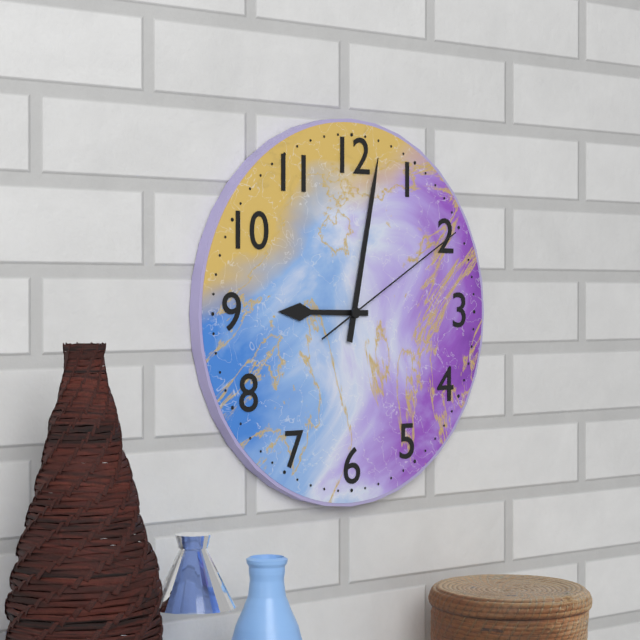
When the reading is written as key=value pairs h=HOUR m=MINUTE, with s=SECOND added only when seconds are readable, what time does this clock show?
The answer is h=9 m=2 s=10
